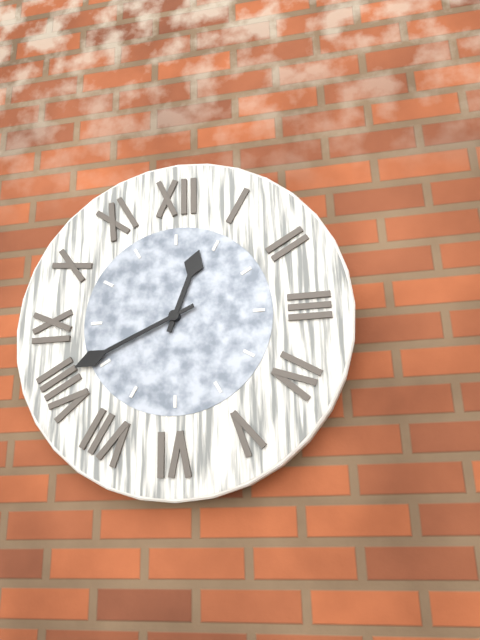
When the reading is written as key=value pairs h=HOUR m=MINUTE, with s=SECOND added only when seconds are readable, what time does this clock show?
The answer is h=12 m=41
